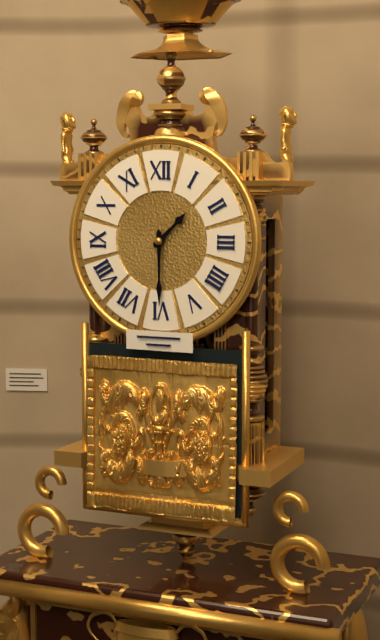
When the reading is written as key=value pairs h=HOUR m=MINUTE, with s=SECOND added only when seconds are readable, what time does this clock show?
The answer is h=1 m=30
